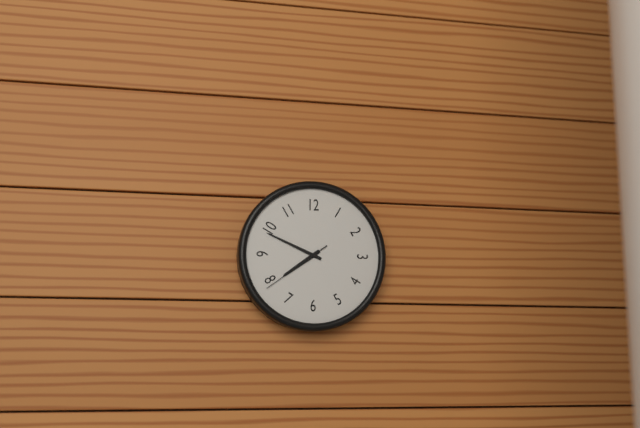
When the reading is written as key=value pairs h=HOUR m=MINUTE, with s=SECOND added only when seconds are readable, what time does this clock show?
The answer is h=7 m=49 s=39
